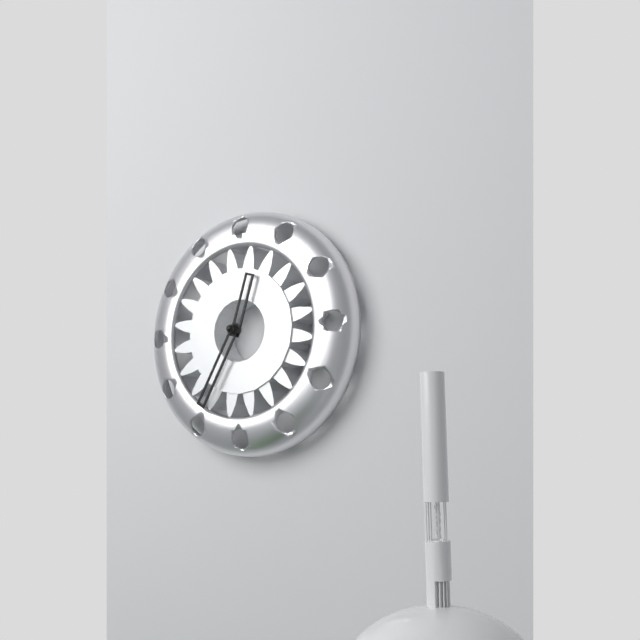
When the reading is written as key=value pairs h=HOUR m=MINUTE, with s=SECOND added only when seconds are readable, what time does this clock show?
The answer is h=12 m=35
